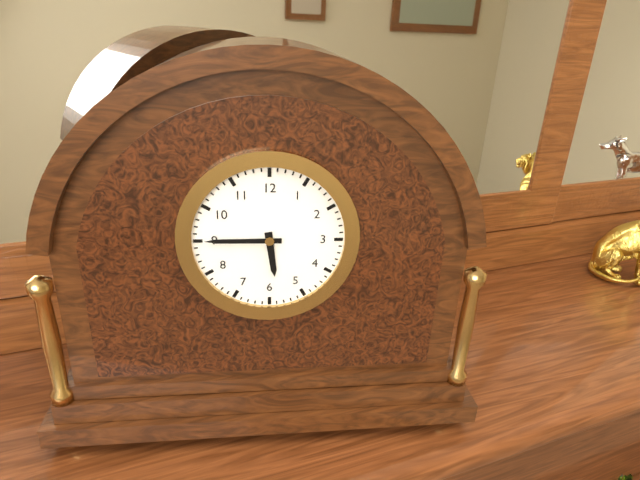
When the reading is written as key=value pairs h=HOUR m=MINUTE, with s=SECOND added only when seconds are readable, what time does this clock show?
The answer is h=5 m=45
